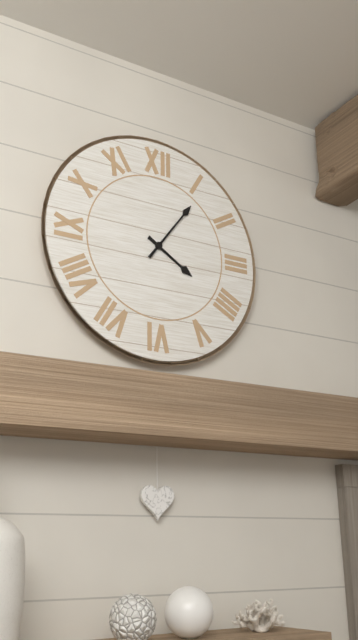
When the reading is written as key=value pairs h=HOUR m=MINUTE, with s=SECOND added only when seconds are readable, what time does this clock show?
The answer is h=4 m=6
